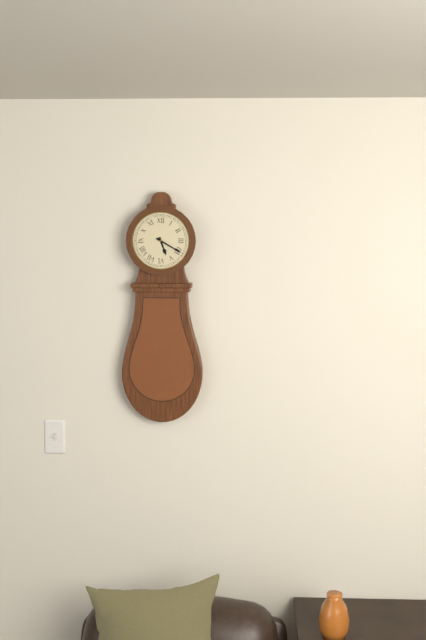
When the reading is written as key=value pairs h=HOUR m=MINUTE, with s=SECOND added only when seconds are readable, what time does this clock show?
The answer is h=5 m=20
